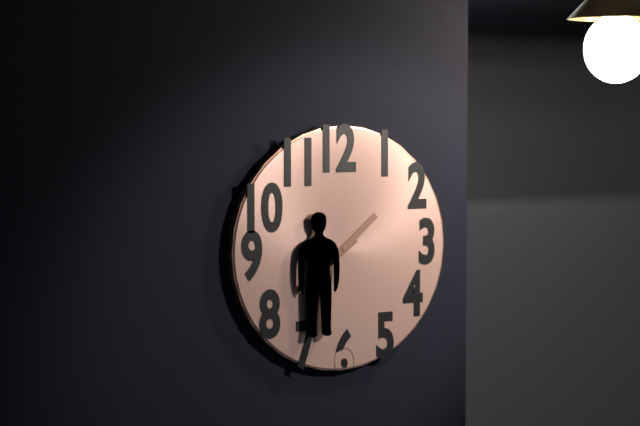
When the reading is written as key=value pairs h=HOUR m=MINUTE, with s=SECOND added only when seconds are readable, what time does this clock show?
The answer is h=1 m=39
